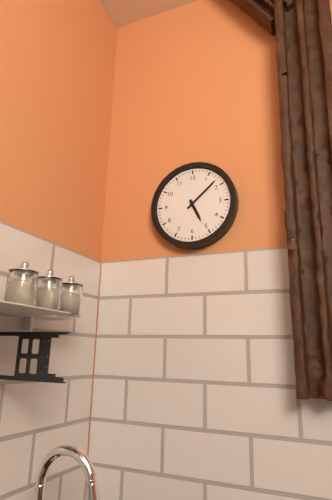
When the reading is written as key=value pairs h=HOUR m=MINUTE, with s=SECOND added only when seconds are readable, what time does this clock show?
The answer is h=5 m=8
